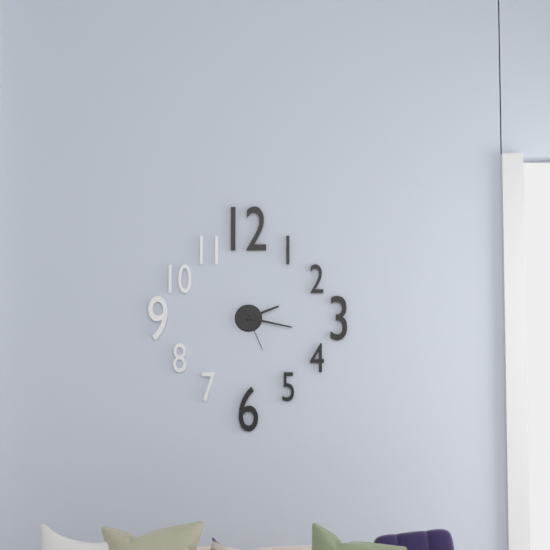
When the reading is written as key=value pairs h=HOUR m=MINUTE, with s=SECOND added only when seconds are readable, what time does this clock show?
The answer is h=2 m=17
